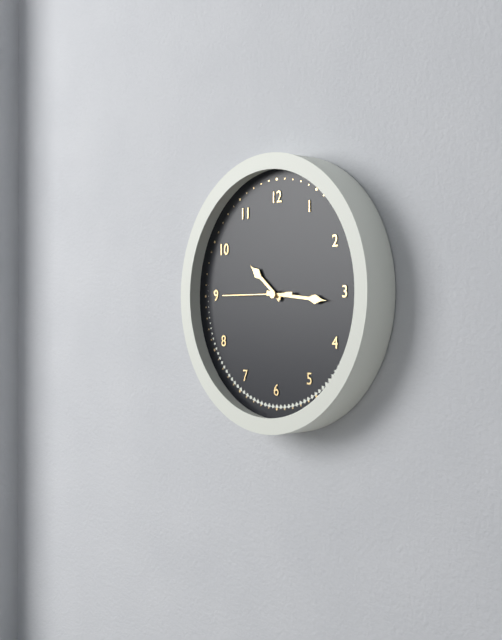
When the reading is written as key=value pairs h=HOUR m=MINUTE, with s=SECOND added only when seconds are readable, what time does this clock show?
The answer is h=10 m=16 s=45
